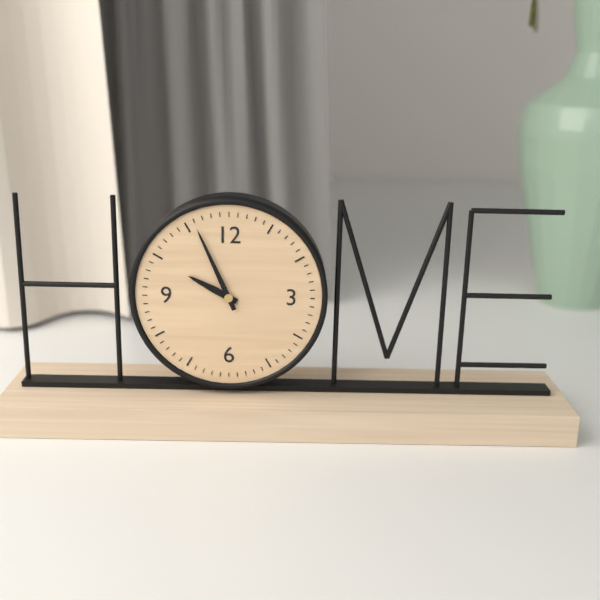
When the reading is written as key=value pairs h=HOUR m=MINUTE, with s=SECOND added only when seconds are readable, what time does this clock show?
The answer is h=9 m=56
